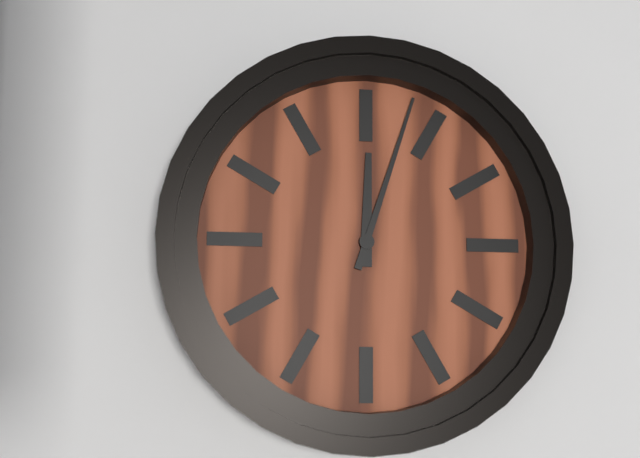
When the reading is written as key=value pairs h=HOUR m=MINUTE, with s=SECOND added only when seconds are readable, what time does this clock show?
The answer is h=12 m=3
